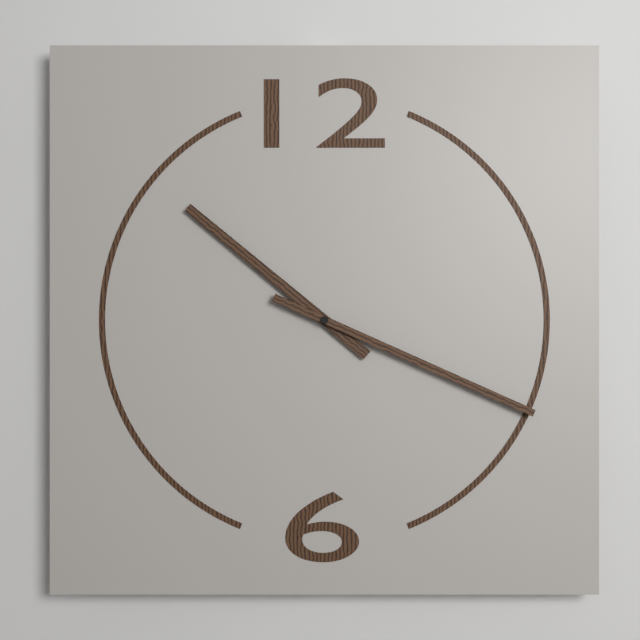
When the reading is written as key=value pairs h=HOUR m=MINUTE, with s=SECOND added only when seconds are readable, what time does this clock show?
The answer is h=10 m=19
